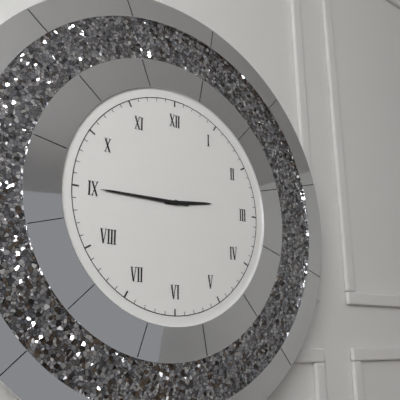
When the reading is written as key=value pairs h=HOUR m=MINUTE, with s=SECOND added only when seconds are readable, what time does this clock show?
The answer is h=2 m=45
